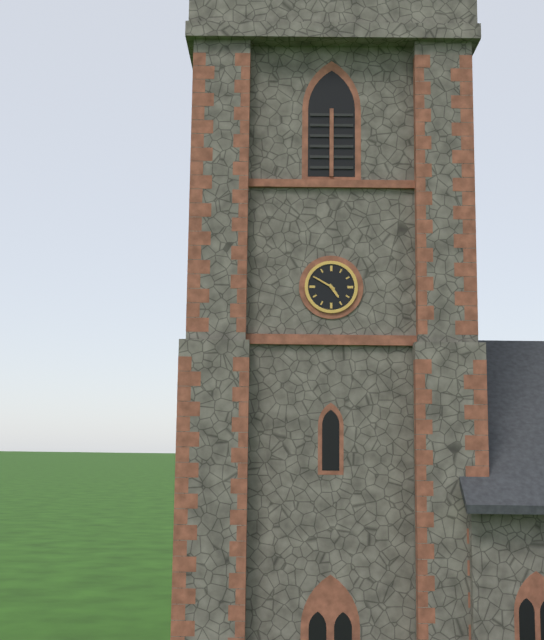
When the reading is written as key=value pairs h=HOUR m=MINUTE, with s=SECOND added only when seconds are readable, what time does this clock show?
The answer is h=4 m=50
